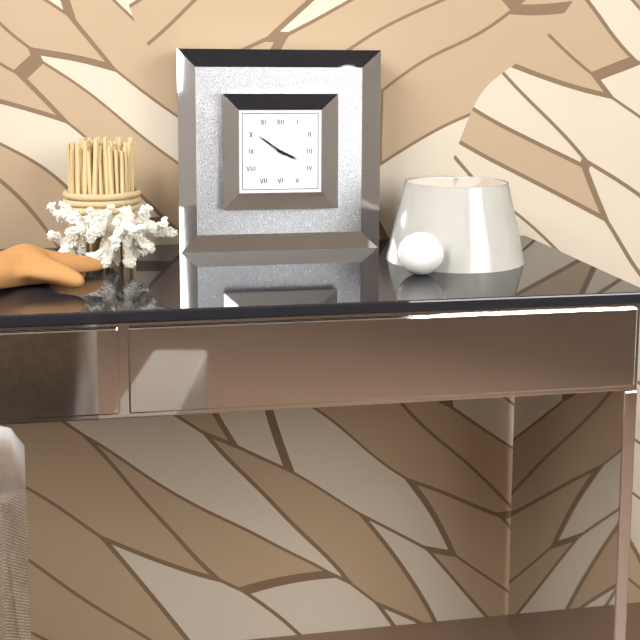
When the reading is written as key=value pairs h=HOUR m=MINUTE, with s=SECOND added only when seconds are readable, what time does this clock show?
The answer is h=3 m=51
